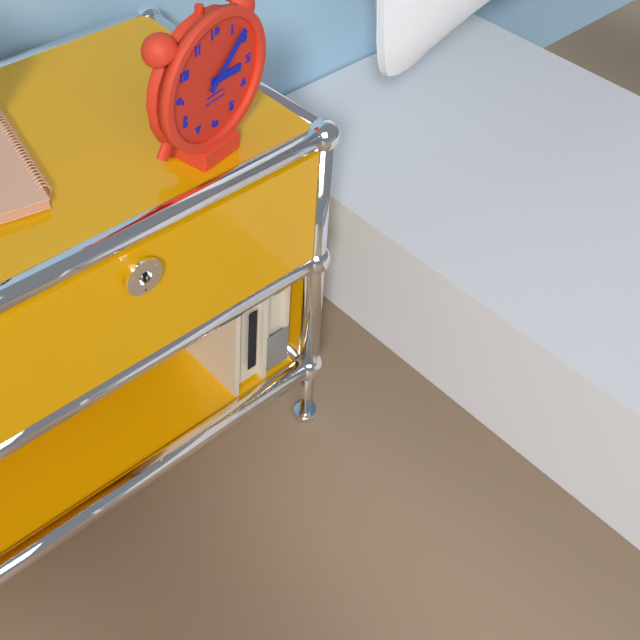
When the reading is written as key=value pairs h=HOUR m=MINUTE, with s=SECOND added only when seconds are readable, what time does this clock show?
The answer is h=3 m=8
